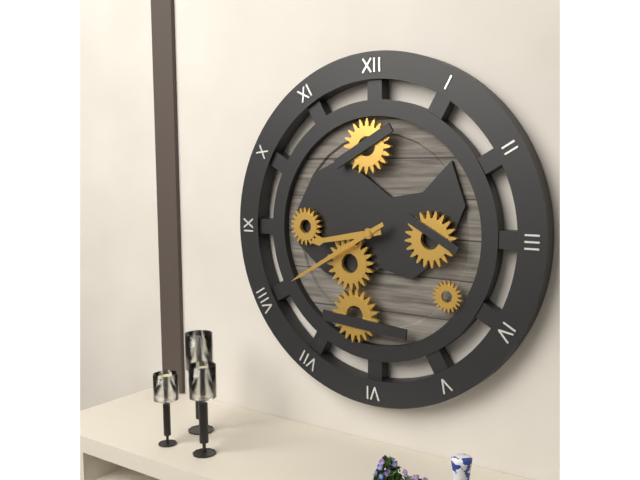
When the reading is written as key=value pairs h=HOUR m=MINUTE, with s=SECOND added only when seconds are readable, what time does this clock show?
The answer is h=8 m=40
